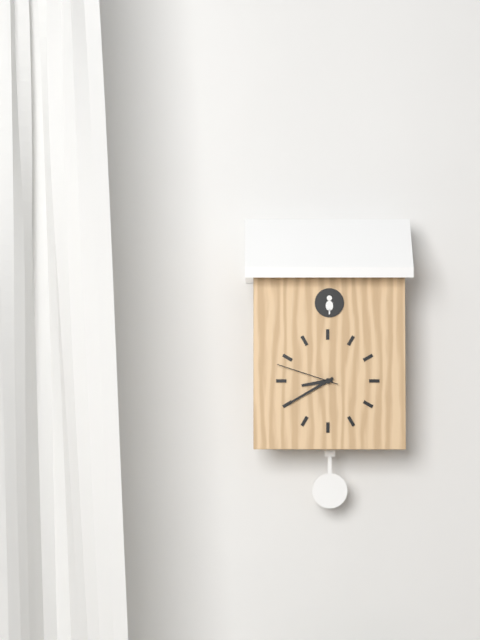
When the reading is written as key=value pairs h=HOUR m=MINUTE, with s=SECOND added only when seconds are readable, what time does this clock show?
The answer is h=8 m=40 s=48
